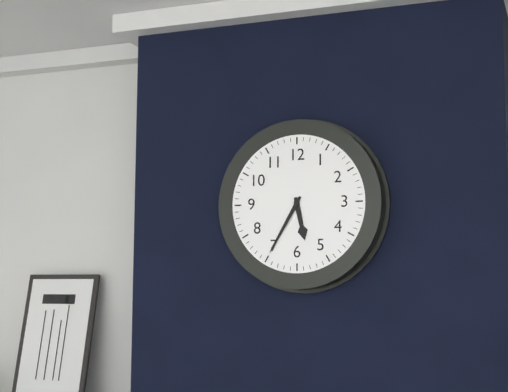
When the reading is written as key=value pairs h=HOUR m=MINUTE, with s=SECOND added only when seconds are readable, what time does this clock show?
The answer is h=5 m=35
